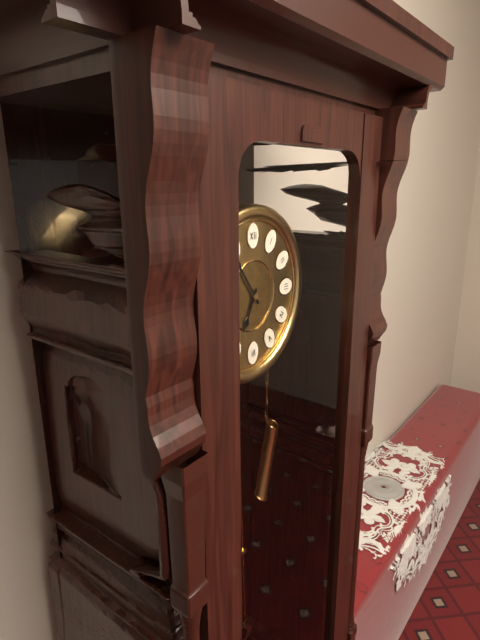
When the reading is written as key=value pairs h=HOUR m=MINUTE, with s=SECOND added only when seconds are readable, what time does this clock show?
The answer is h=6 m=54
